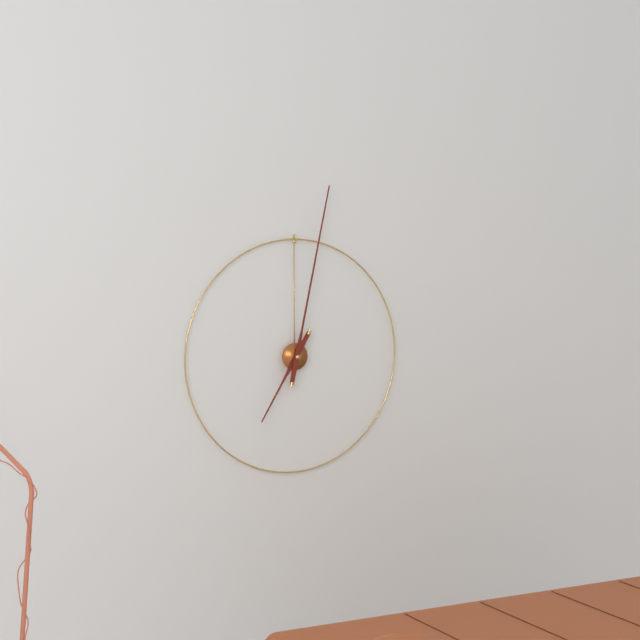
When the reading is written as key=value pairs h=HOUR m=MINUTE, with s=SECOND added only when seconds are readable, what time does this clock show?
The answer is h=7 m=2
